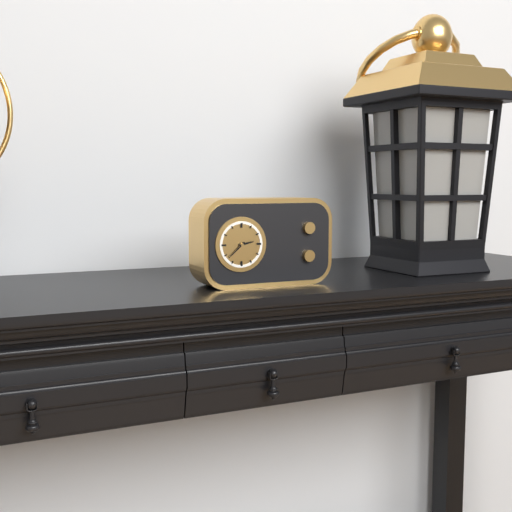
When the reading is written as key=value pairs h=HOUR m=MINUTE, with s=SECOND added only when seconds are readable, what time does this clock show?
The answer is h=2 m=38
